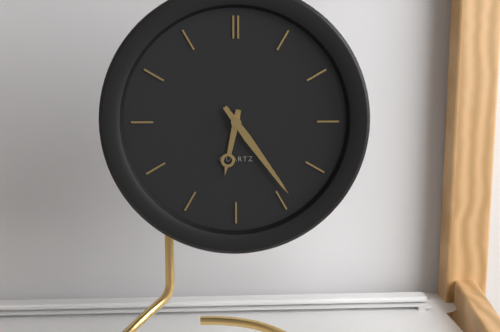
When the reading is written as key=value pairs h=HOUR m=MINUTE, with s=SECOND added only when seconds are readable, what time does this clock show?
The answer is h=6 m=24
